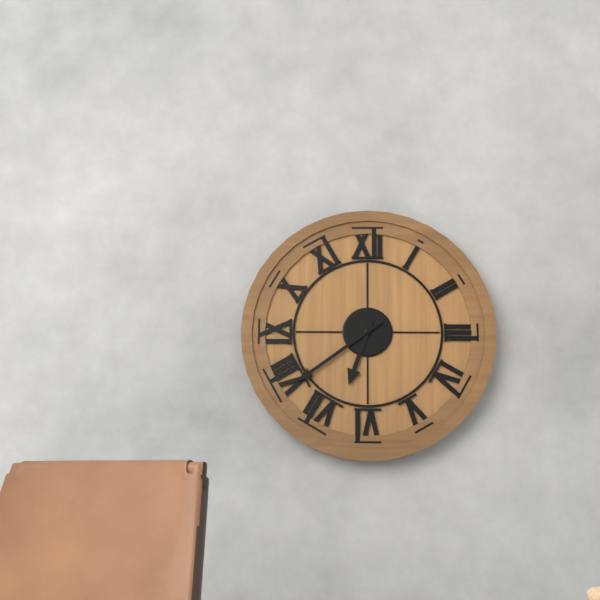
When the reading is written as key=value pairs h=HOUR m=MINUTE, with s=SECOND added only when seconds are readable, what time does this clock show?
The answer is h=6 m=39
